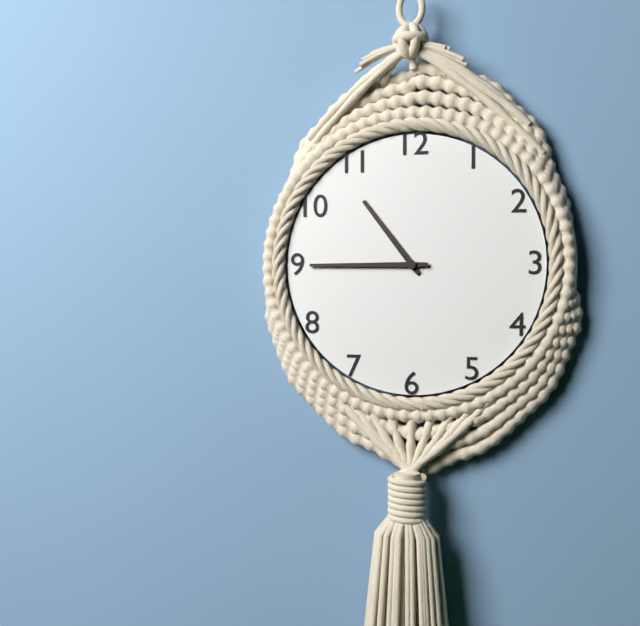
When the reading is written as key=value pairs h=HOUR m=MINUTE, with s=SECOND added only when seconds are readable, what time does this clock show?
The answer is h=10 m=45
